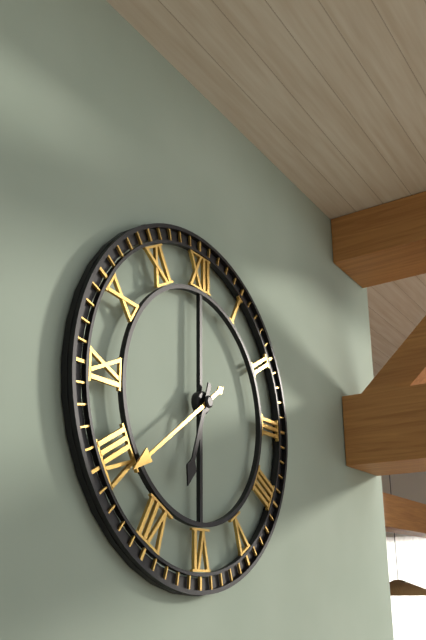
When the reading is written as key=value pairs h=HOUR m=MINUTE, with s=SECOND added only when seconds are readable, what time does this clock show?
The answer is h=6 m=39
